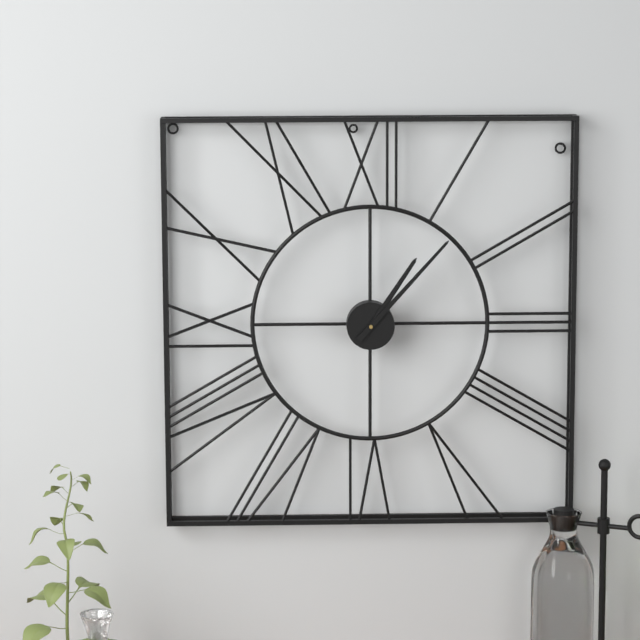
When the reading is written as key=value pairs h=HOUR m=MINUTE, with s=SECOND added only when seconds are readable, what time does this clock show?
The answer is h=1 m=7
